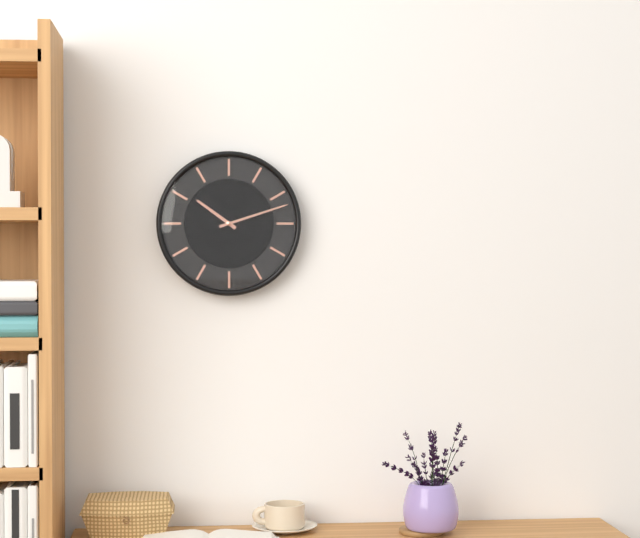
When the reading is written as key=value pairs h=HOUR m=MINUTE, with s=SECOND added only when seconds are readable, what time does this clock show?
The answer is h=10 m=12
